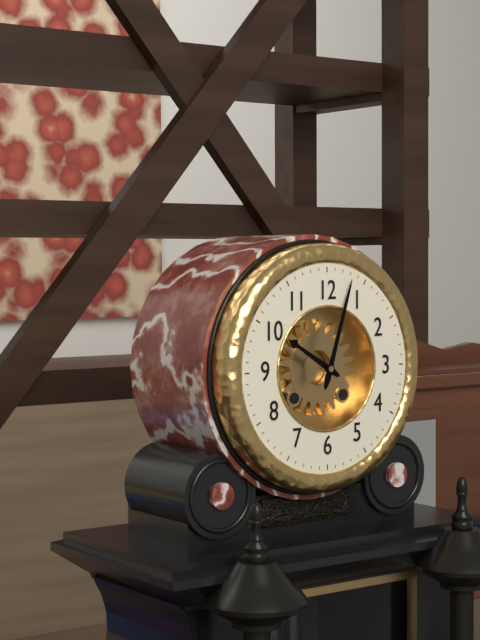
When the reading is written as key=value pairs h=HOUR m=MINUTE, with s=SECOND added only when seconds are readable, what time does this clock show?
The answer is h=10 m=3
